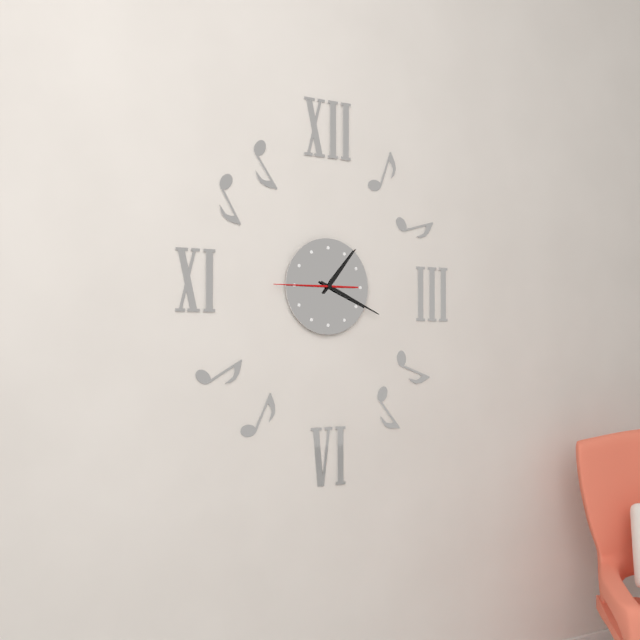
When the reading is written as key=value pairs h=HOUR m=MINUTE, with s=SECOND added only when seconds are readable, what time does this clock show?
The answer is h=1 m=19 s=45
